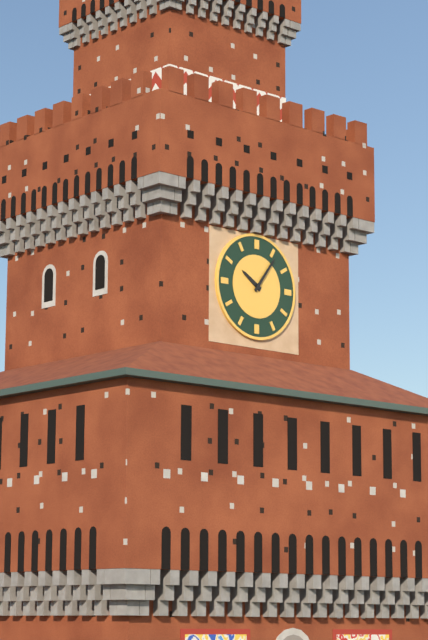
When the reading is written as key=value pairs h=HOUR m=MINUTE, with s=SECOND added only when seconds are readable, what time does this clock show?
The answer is h=10 m=6
